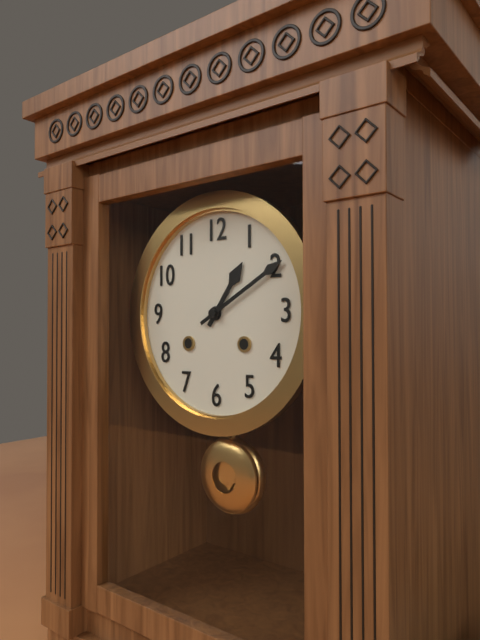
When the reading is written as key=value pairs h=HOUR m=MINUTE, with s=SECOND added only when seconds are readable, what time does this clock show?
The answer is h=1 m=10
